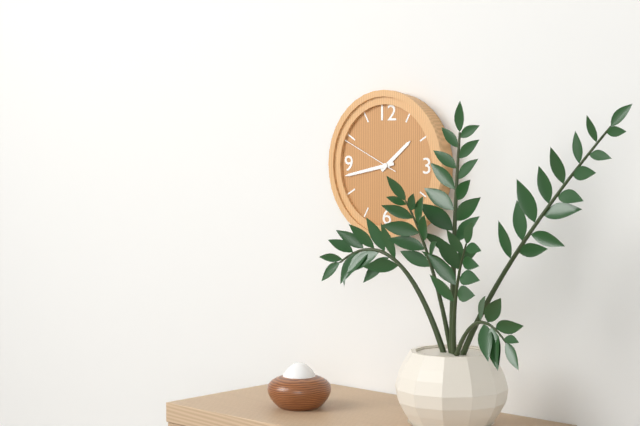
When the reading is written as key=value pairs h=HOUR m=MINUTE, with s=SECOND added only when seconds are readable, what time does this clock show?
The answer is h=1 m=43 s=49
